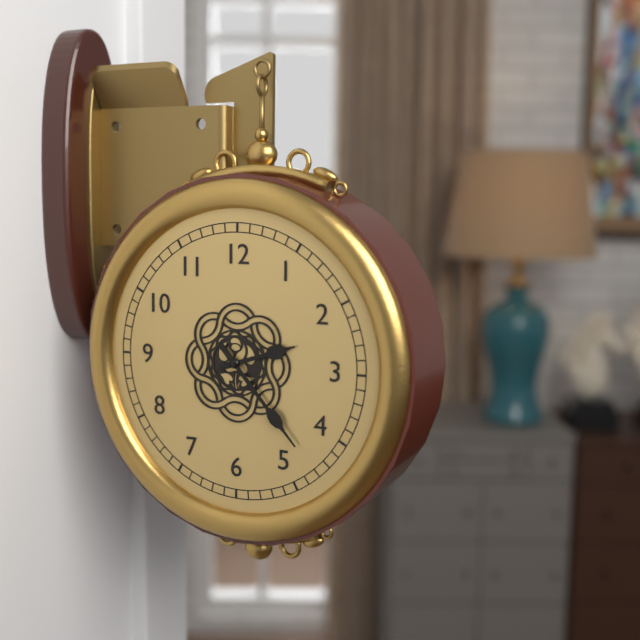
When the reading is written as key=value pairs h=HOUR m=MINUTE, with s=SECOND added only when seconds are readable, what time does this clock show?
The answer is h=2 m=23
